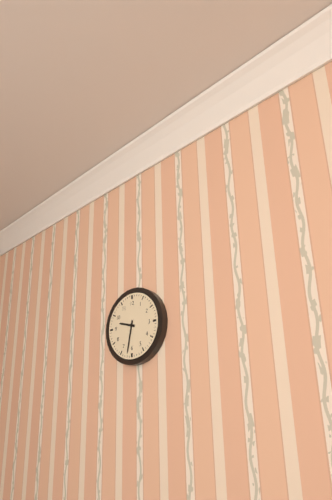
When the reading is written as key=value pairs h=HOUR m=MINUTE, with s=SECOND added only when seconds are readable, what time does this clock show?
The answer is h=9 m=32
